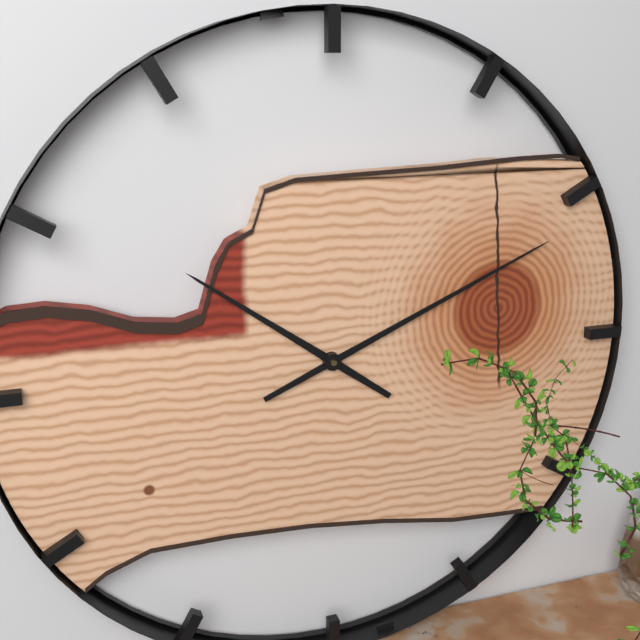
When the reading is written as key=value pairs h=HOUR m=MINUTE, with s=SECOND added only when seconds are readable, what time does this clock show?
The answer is h=10 m=11
